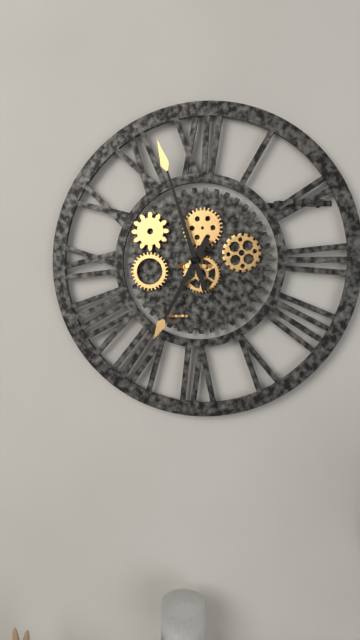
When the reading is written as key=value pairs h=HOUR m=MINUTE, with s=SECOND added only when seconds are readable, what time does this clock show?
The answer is h=6 m=57
